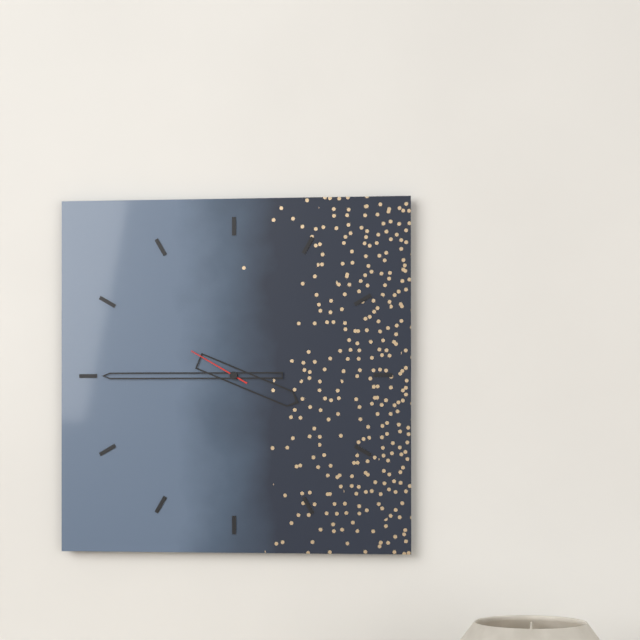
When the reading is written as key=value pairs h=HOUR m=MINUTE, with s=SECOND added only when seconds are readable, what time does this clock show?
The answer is h=3 m=45 s=50
